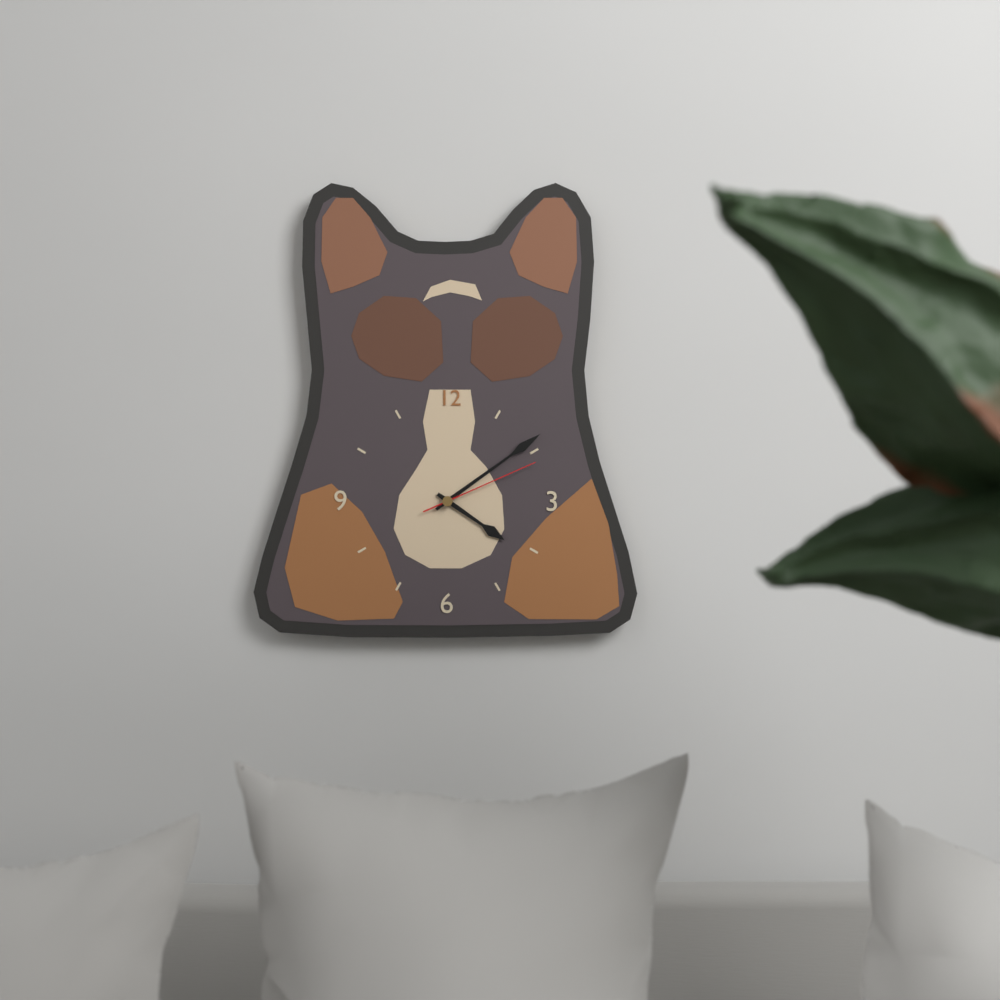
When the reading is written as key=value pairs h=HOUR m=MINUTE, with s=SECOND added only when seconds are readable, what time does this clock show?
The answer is h=4 m=9 s=11
